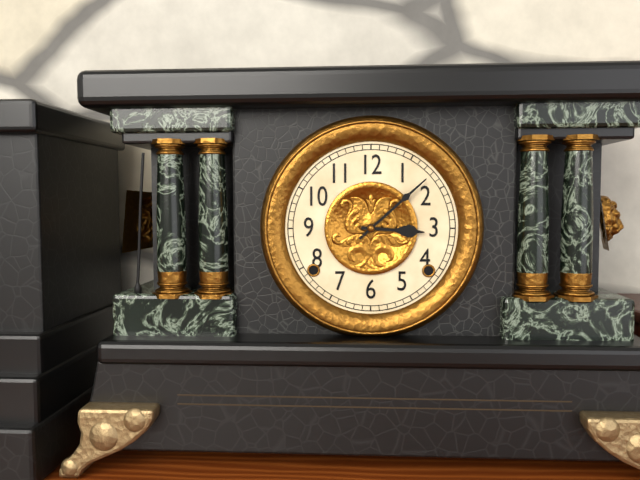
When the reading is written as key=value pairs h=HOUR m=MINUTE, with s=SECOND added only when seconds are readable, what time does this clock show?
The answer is h=3 m=8
